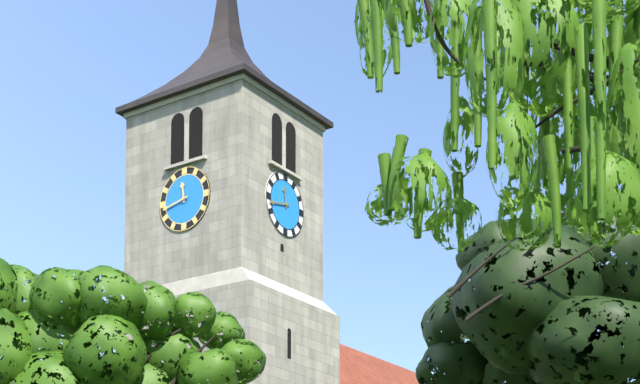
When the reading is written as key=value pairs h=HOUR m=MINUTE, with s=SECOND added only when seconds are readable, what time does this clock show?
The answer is h=11 m=43
